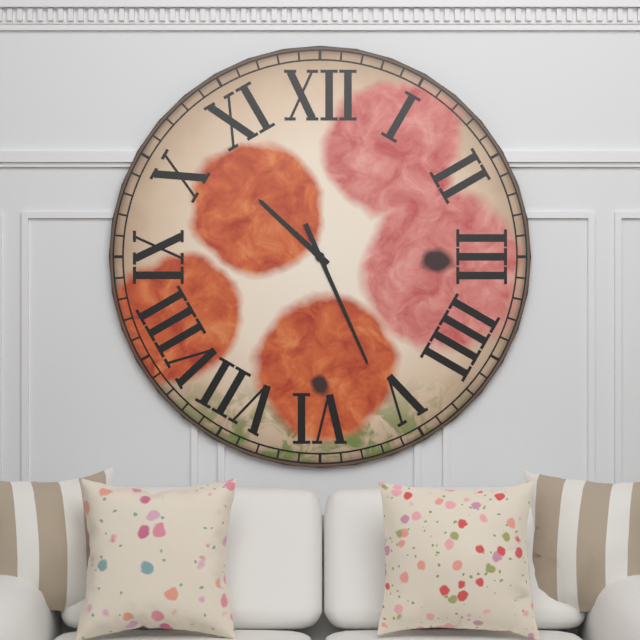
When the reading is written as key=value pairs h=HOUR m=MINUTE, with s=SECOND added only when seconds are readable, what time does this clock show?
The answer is h=10 m=26
